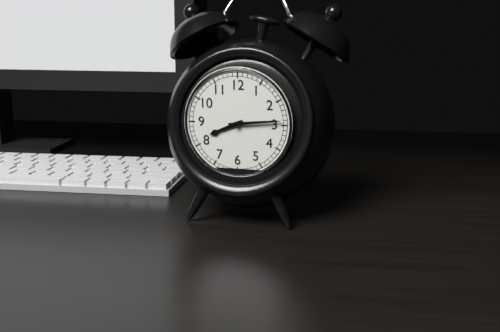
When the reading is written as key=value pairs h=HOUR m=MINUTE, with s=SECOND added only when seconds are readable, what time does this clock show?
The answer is h=8 m=14
